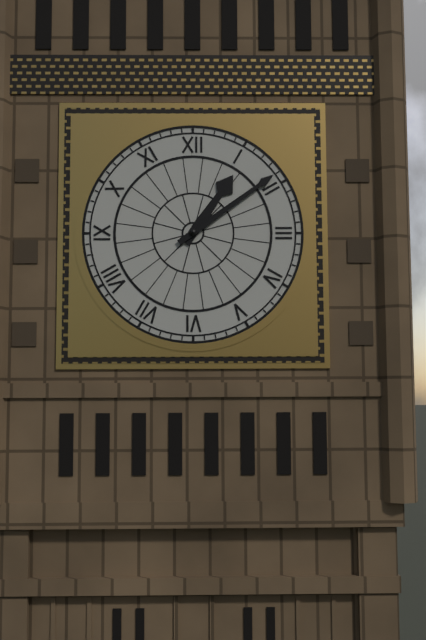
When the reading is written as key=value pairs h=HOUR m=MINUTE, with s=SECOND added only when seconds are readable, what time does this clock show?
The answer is h=1 m=9
